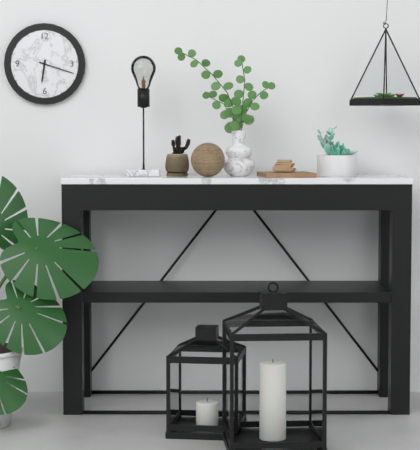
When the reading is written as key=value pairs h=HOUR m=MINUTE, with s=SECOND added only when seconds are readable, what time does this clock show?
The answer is h=6 m=18
